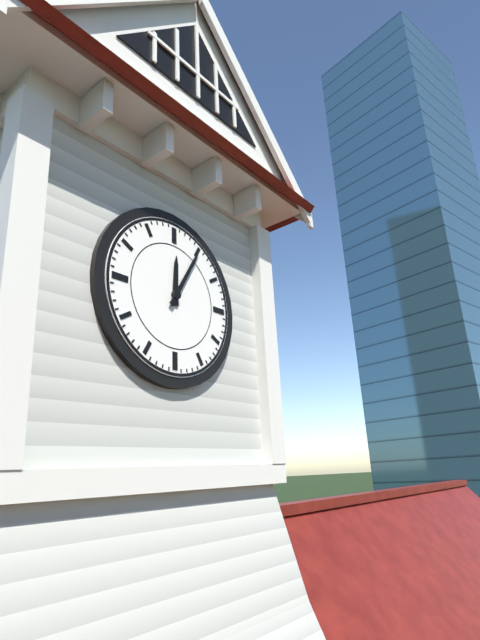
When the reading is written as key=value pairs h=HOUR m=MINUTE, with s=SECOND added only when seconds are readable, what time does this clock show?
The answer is h=12 m=5
